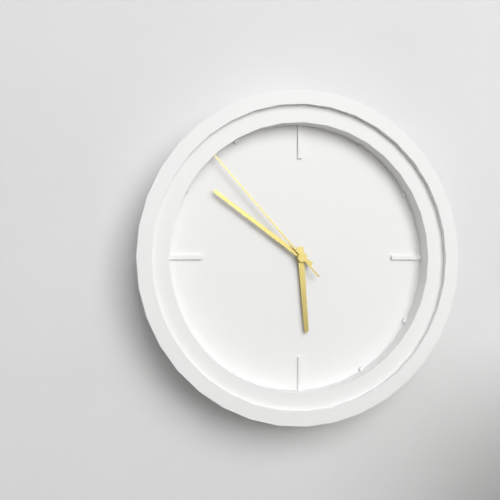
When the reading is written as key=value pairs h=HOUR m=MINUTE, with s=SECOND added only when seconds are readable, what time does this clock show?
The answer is h=5 m=51 s=53
